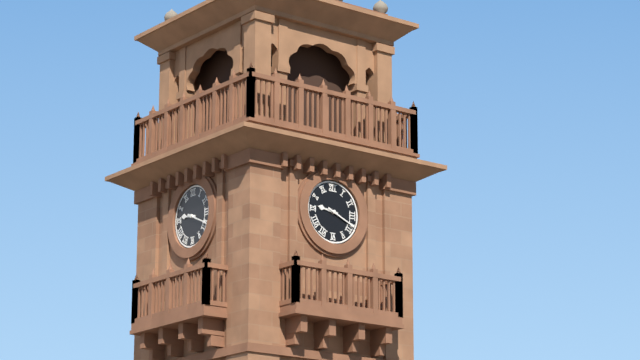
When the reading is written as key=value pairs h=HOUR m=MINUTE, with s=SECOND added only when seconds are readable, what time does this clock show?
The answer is h=9 m=19
